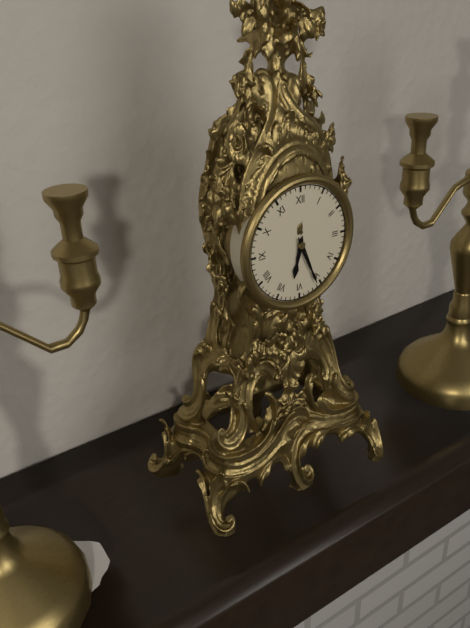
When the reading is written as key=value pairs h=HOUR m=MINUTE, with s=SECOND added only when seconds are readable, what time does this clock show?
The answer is h=6 m=26
